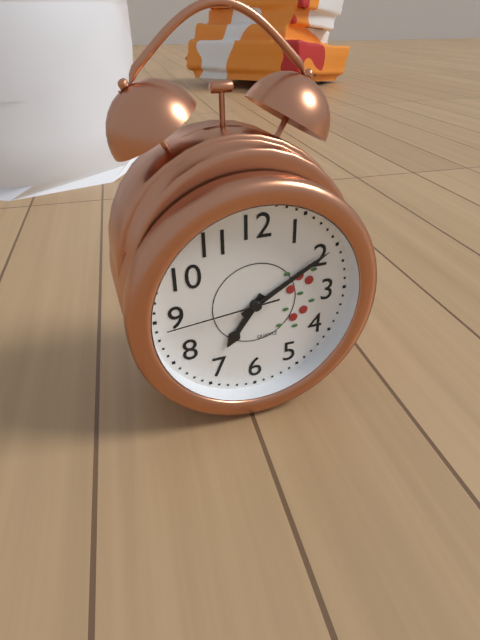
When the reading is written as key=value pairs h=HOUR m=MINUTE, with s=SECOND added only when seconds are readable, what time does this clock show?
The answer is h=7 m=10 s=44
